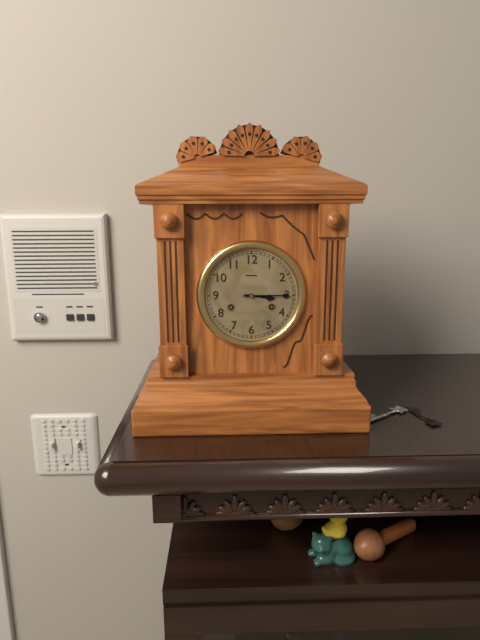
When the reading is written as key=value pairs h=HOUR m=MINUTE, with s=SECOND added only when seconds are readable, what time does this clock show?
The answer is h=3 m=15
